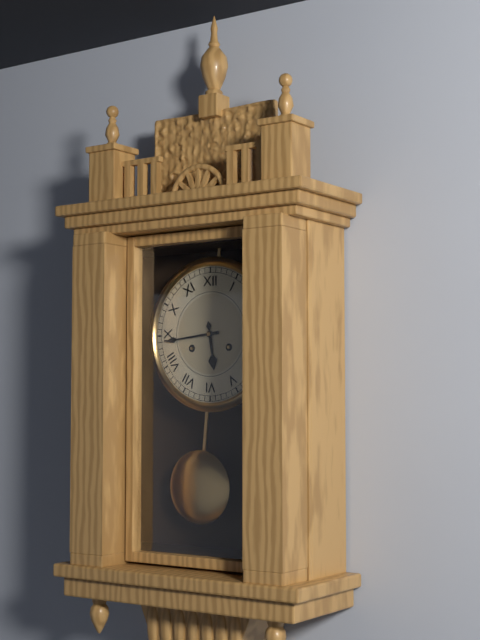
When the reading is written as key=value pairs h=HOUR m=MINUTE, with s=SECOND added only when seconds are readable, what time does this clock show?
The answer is h=5 m=44
